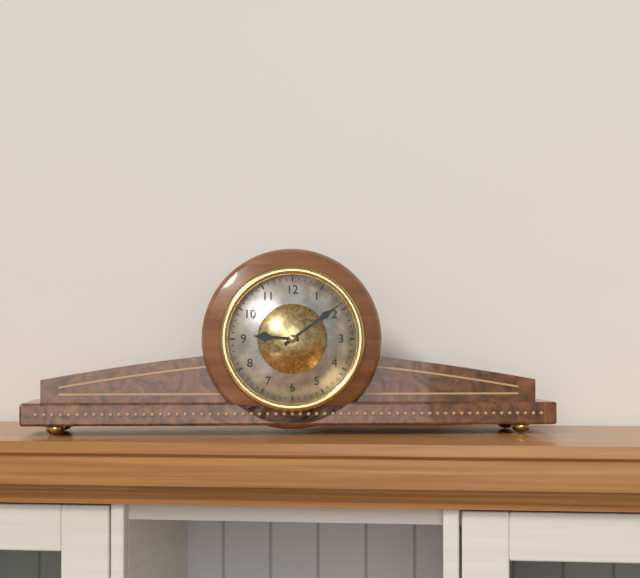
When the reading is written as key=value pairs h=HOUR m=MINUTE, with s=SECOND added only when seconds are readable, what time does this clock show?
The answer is h=9 m=9
